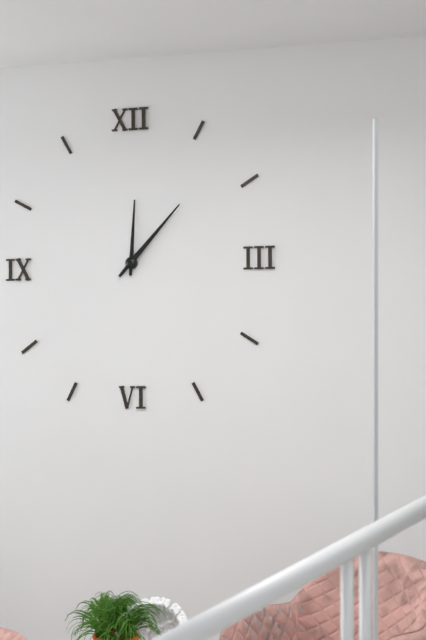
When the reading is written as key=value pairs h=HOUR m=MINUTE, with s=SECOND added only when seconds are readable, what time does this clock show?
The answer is h=12 m=7
